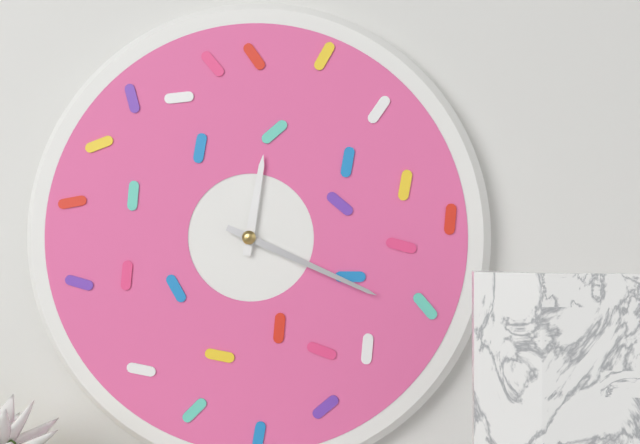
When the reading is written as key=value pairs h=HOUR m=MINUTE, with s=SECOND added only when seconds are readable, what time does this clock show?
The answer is h=12 m=19
